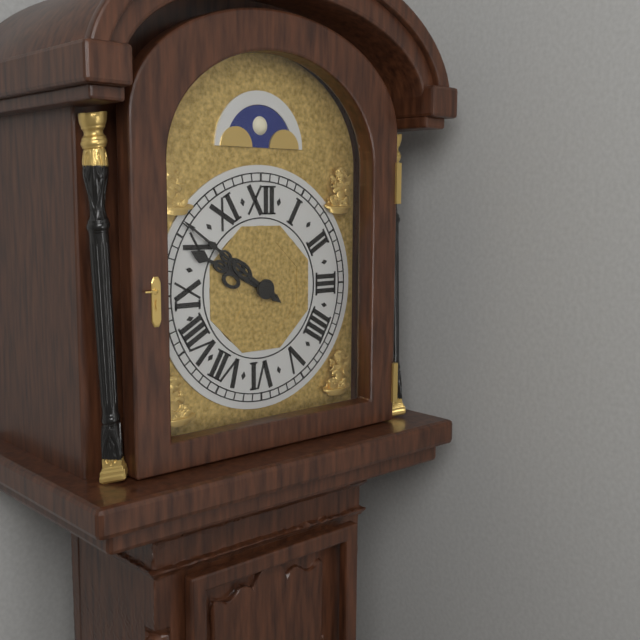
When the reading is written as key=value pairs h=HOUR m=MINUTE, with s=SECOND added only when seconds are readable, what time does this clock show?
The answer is h=9 m=51
